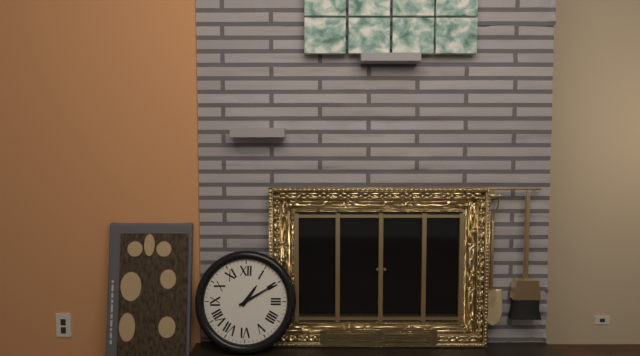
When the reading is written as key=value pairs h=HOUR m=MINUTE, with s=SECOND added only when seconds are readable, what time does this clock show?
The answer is h=1 m=10
